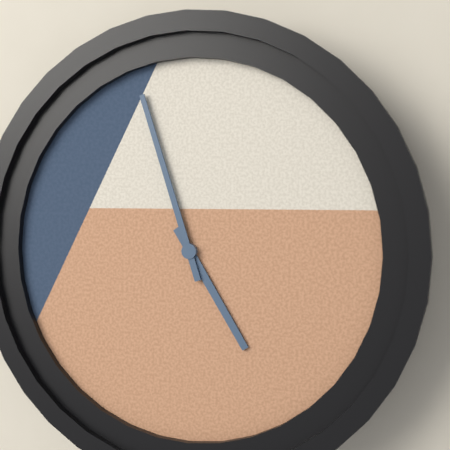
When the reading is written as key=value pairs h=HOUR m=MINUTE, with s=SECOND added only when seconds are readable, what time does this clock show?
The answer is h=4 m=57
